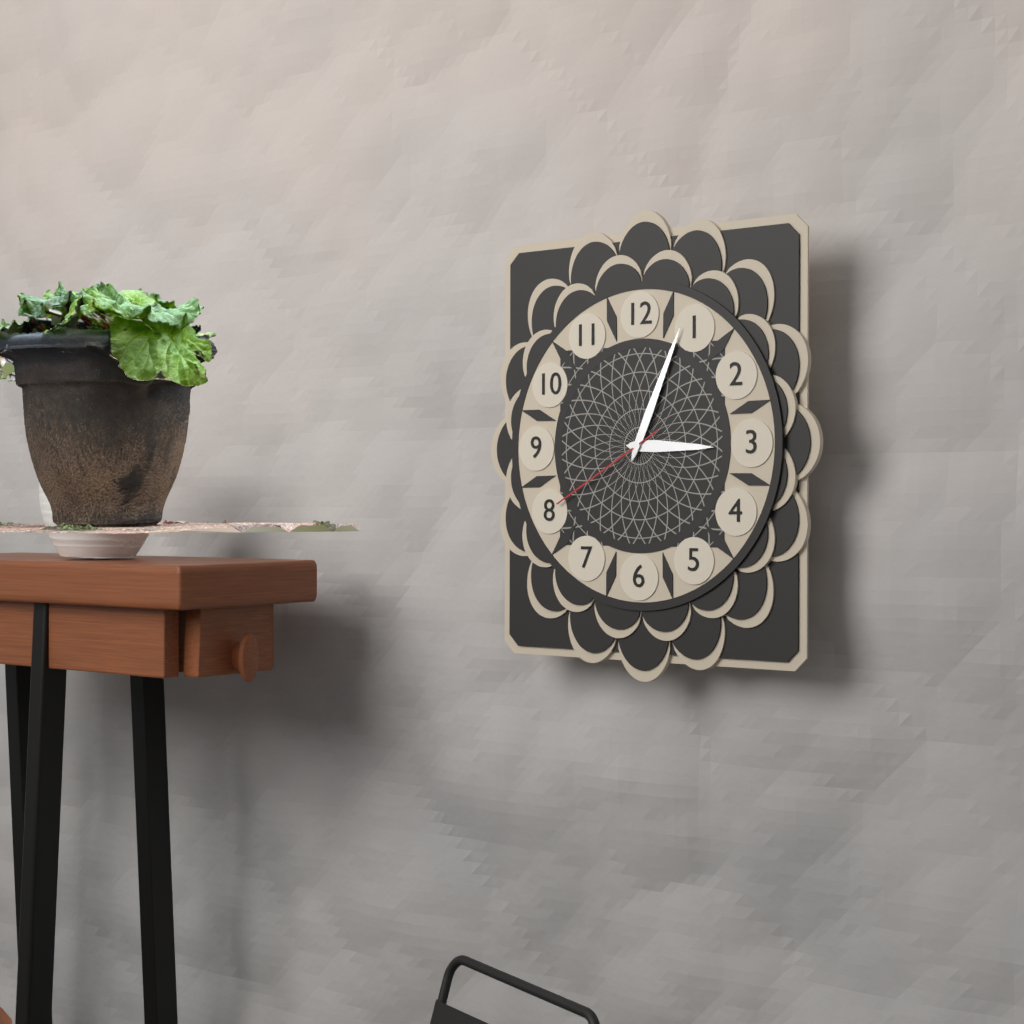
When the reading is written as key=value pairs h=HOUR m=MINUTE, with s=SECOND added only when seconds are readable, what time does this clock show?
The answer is h=3 m=4 s=40
